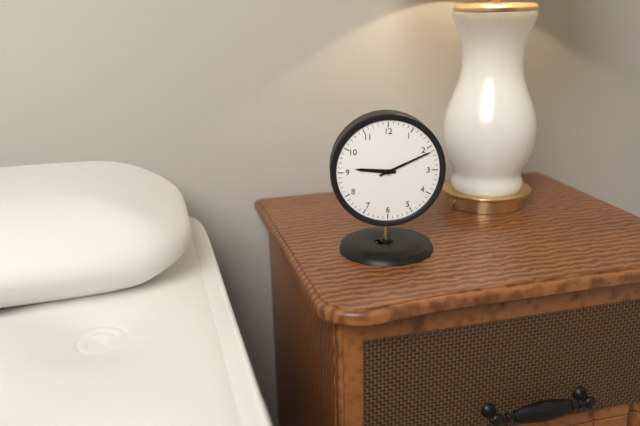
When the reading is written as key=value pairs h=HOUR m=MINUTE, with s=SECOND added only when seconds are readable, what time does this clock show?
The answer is h=9 m=11
